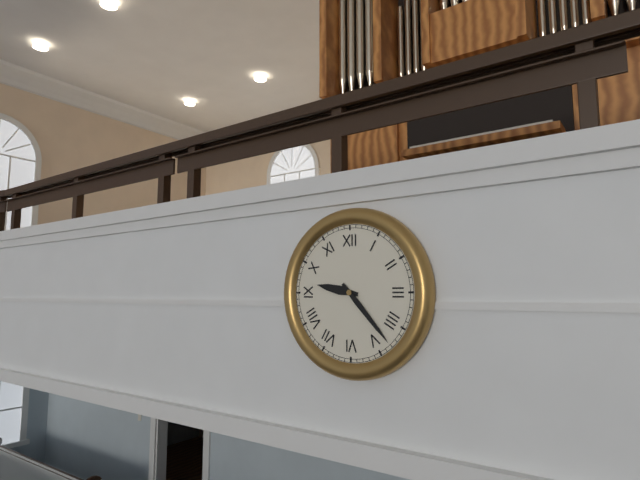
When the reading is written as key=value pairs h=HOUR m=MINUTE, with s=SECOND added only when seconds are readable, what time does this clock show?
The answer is h=9 m=23
